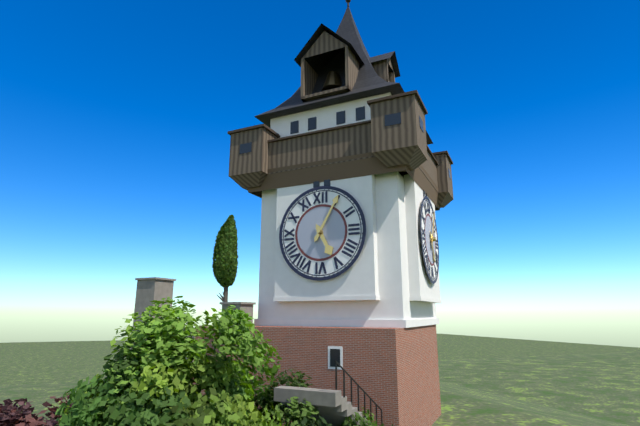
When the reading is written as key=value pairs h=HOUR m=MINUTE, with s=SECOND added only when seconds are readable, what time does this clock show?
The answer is h=5 m=5
